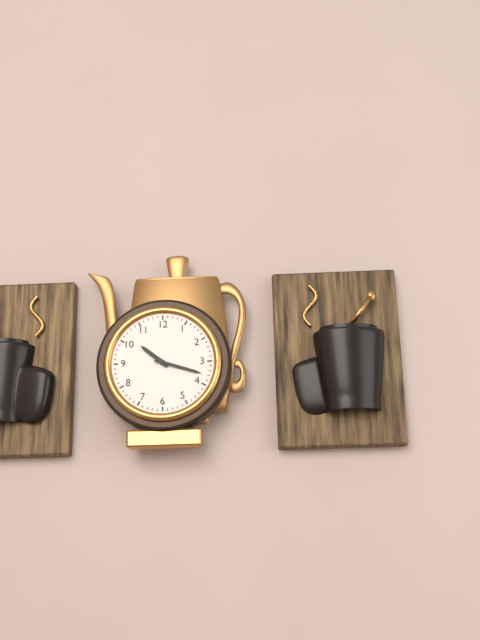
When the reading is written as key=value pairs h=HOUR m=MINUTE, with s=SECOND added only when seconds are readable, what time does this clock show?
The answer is h=10 m=18
